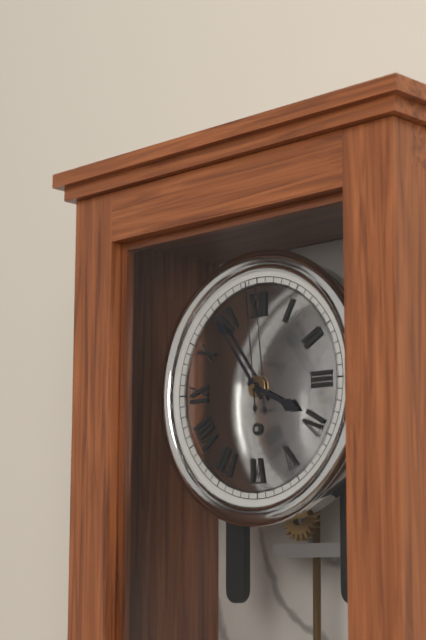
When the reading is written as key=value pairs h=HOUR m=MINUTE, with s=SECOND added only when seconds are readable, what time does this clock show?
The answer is h=3 m=54 s=59
